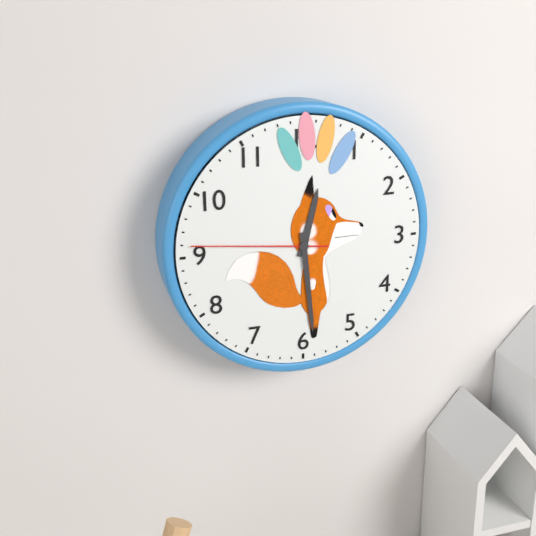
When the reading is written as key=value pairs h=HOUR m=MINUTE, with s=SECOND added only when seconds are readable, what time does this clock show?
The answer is h=12 m=29 s=46
